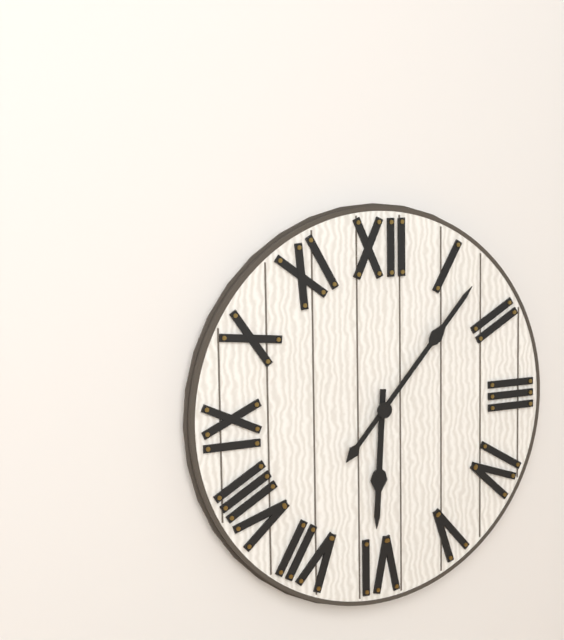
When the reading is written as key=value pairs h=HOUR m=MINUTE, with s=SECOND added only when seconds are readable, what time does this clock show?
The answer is h=6 m=7
